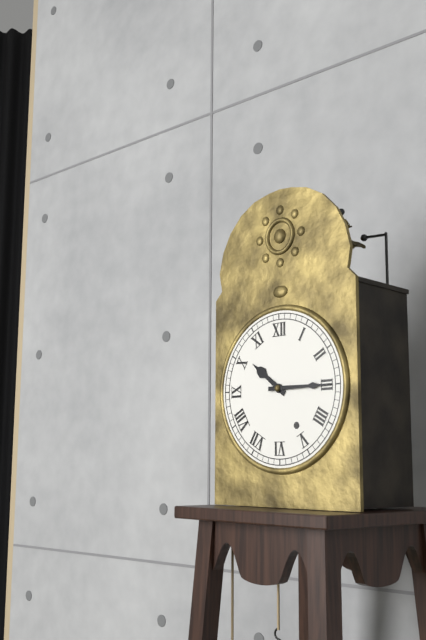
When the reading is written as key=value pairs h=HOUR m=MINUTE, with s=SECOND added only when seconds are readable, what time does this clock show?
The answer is h=10 m=15
